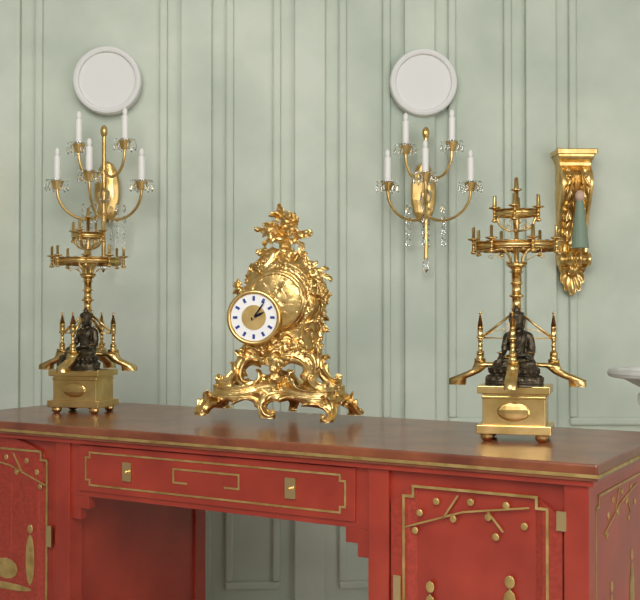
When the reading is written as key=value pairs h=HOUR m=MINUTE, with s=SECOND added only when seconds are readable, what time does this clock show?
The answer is h=2 m=6
